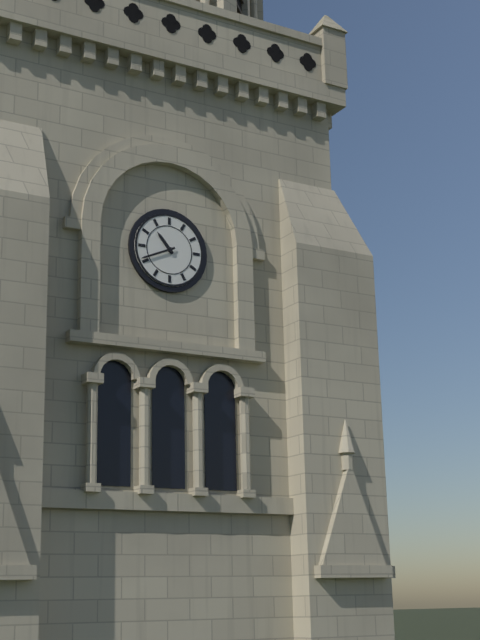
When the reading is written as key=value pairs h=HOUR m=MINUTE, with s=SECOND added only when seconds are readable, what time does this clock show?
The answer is h=10 m=41
